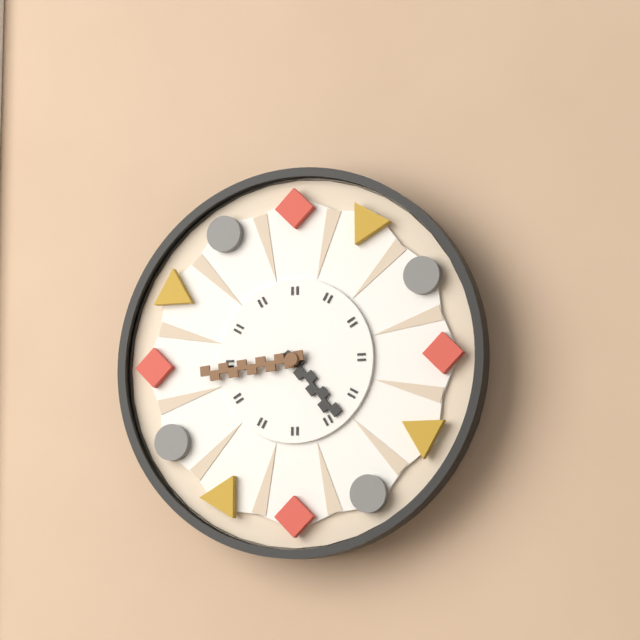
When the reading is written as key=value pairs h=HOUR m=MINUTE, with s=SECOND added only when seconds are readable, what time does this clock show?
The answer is h=4 m=44
